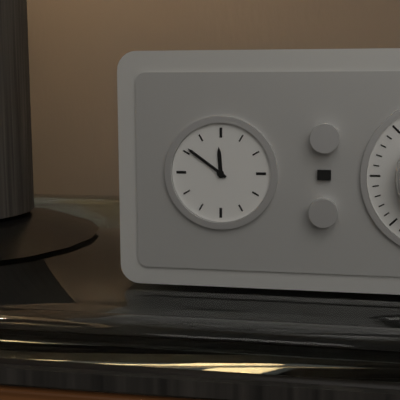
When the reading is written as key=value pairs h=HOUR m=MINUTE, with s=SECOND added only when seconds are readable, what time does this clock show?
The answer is h=11 m=51
